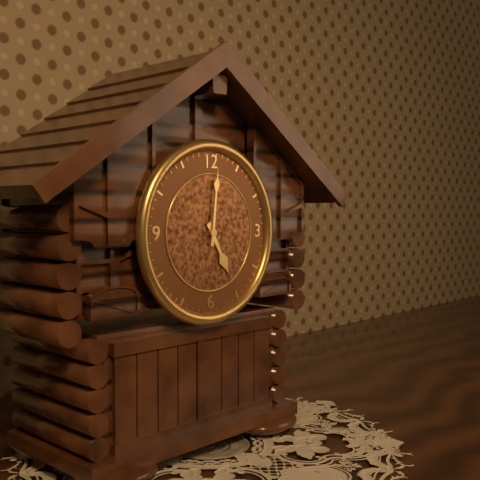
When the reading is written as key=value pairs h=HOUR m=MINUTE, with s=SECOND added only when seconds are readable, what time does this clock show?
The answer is h=5 m=1
